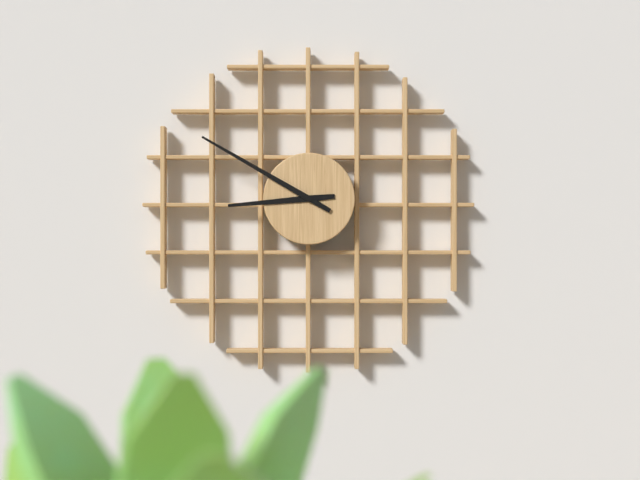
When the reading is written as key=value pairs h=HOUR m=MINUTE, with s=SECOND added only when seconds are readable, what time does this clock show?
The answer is h=8 m=50
